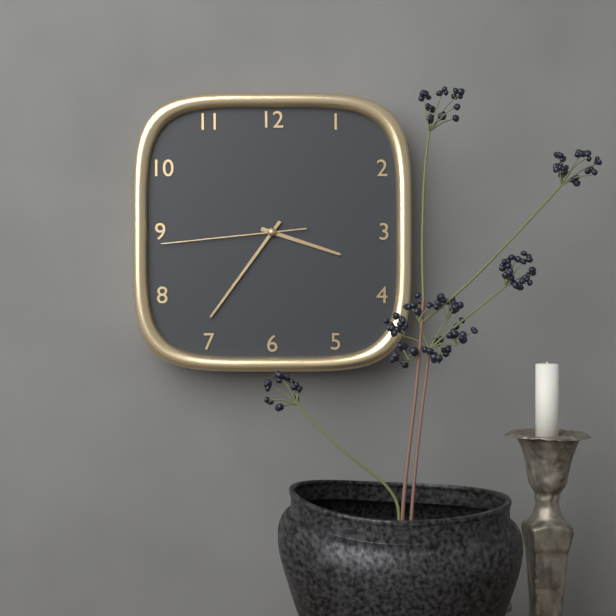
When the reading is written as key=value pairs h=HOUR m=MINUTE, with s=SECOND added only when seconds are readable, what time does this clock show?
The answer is h=3 m=36 s=44
